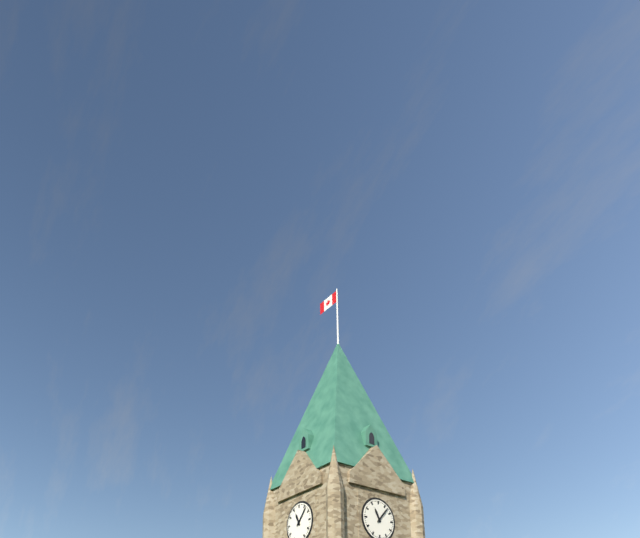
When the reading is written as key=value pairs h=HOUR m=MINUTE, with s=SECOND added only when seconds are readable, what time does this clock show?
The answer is h=11 m=7
